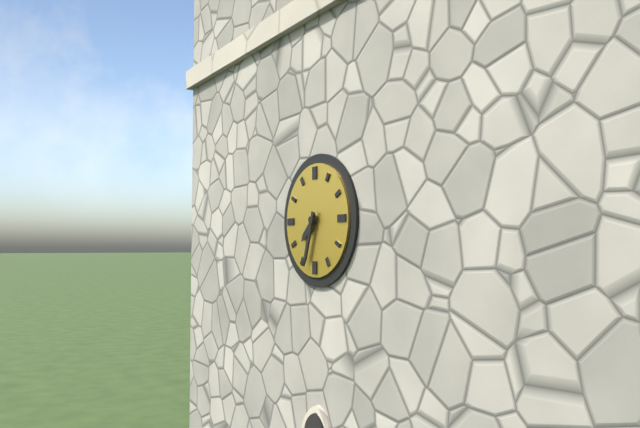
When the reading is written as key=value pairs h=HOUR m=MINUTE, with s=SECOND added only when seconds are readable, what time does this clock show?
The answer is h=7 m=33
